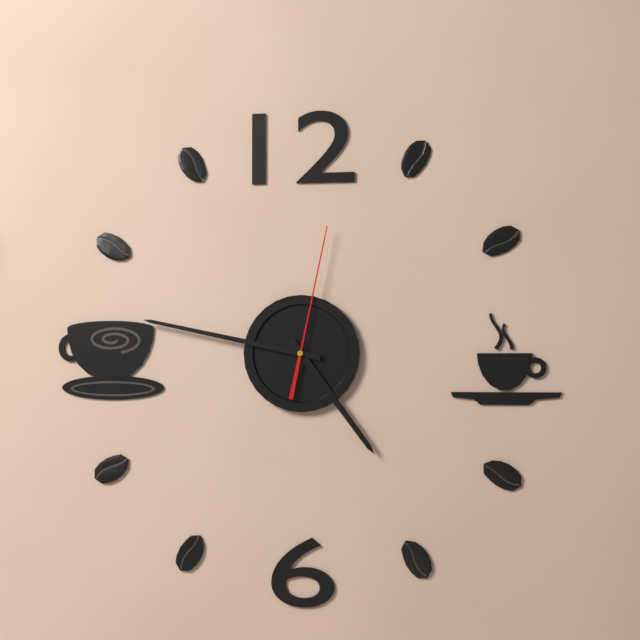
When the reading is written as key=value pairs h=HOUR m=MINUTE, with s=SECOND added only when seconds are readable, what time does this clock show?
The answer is h=4 m=47 s=2
